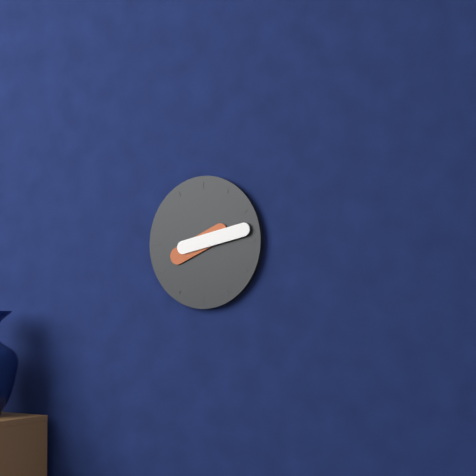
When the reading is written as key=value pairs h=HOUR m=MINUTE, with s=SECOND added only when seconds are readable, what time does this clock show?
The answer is h=8 m=13
